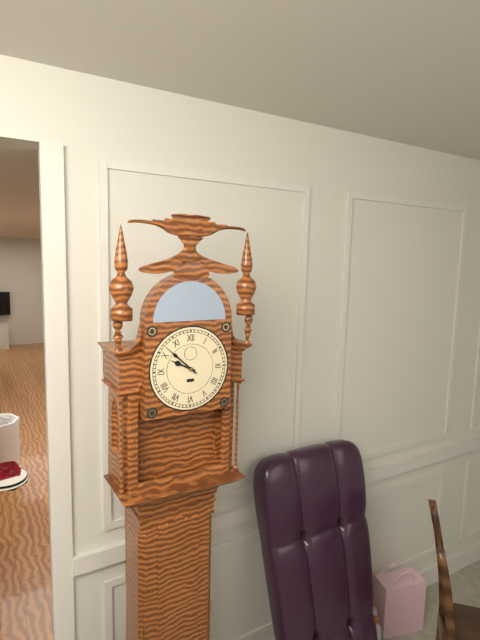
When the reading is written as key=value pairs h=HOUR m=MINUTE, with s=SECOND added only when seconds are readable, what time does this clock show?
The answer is h=9 m=52
